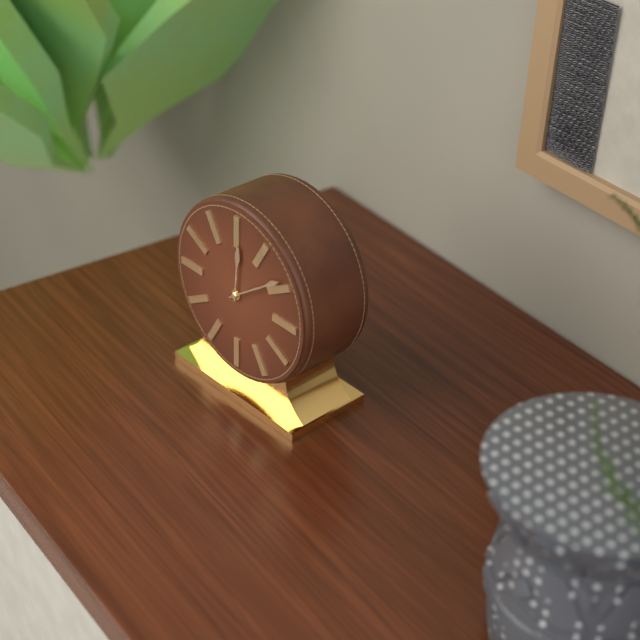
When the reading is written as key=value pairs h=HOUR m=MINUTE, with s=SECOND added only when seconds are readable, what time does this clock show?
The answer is h=12 m=9
